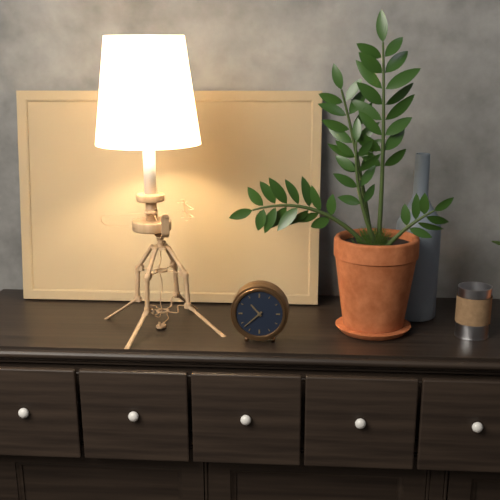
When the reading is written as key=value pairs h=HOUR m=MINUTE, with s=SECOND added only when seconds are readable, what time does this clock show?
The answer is h=10 m=38
